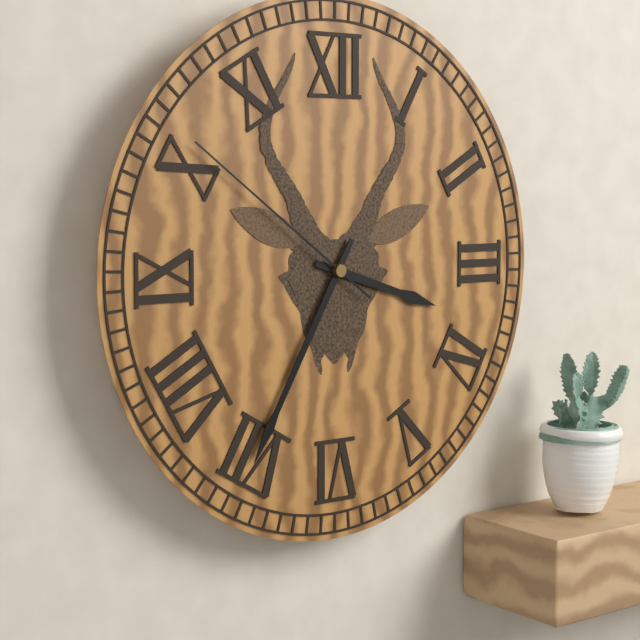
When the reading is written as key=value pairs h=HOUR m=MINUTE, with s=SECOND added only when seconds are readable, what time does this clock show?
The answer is h=3 m=35 s=51
